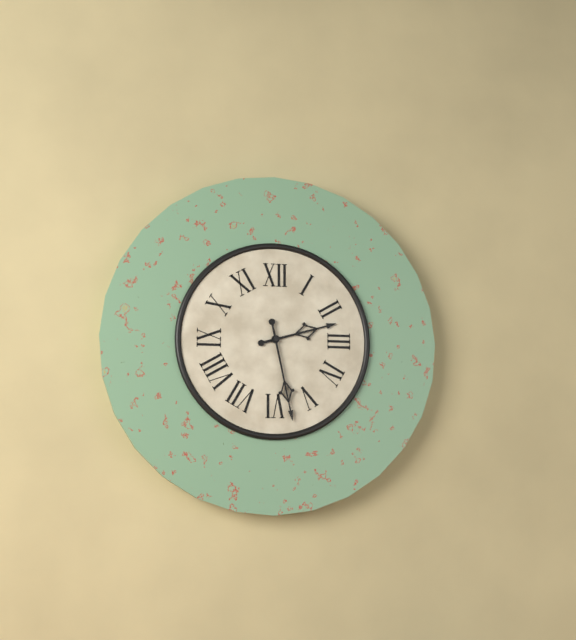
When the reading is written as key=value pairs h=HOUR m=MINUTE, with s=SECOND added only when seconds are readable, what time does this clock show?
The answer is h=2 m=28
